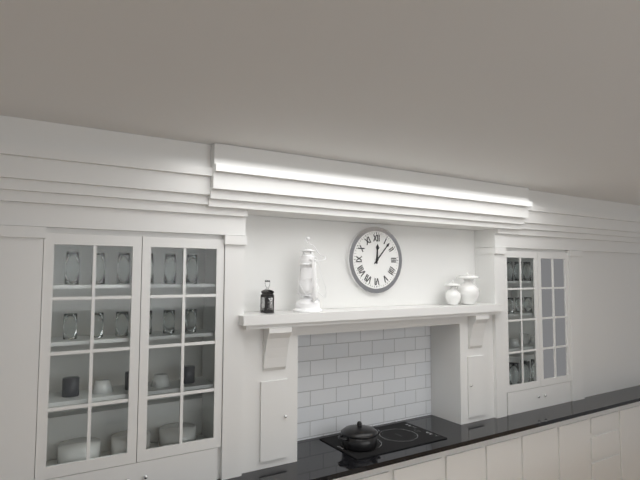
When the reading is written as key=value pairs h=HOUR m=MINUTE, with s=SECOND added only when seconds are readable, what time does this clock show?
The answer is h=12 m=7
